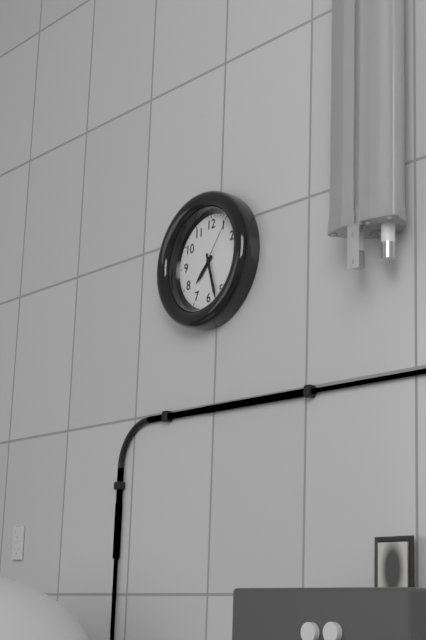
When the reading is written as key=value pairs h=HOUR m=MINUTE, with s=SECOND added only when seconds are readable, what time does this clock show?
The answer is h=7 m=27 s=6
